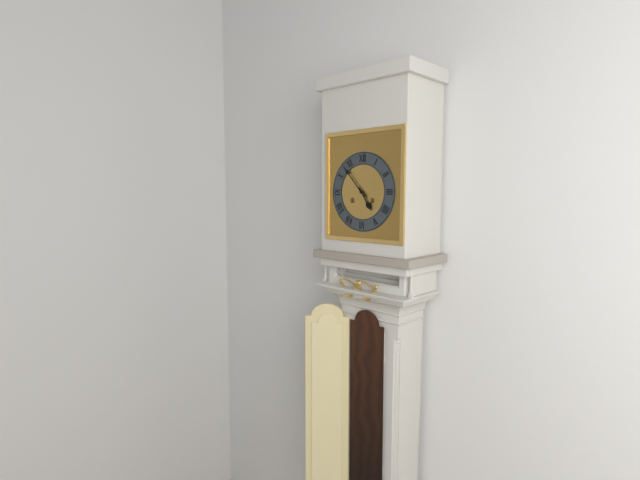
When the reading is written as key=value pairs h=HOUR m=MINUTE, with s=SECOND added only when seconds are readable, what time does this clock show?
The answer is h=4 m=53
